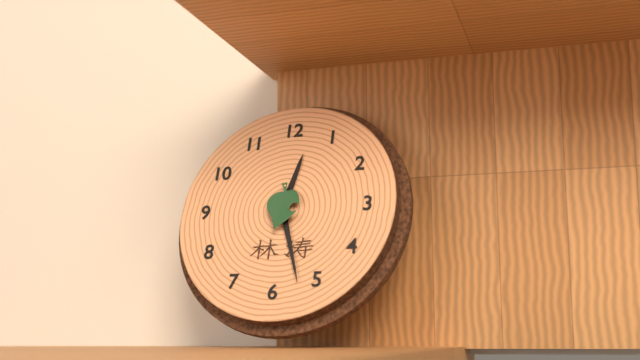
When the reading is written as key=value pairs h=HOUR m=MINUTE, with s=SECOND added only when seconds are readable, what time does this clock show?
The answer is h=12 m=27
